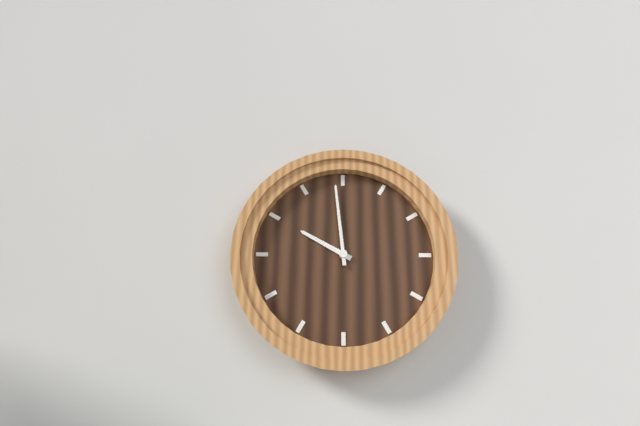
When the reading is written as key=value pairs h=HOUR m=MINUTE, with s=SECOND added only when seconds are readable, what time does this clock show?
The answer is h=9 m=59
